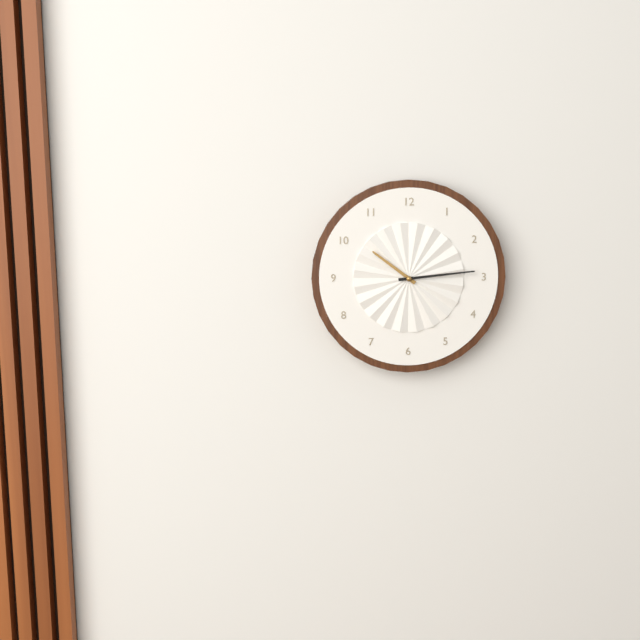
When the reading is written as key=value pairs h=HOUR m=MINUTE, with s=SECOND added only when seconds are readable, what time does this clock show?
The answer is h=10 m=14
